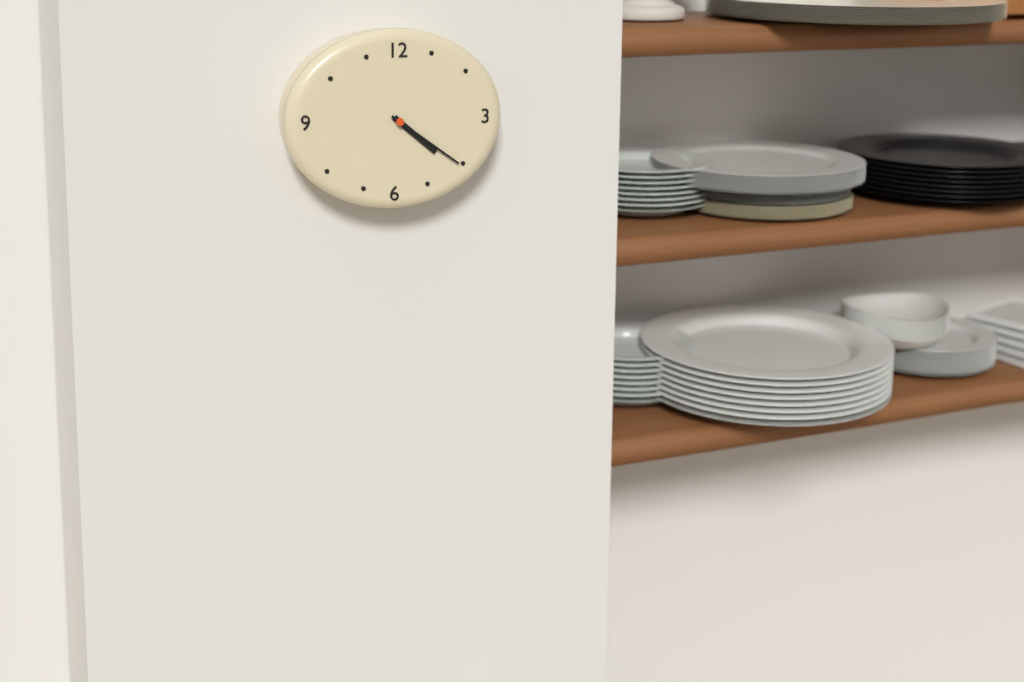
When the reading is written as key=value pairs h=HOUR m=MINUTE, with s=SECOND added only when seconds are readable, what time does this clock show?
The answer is h=4 m=21
